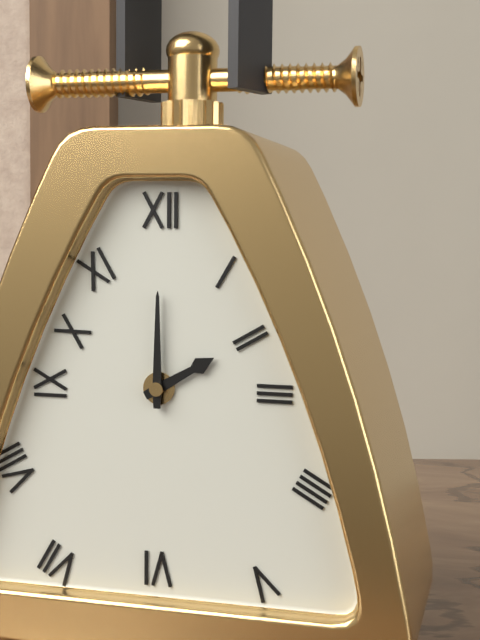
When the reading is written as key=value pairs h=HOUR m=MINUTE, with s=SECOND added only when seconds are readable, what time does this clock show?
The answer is h=2 m=0
